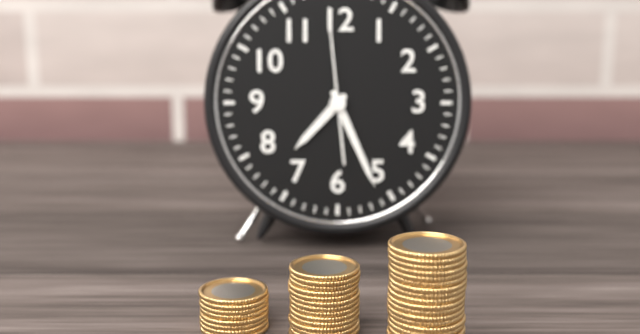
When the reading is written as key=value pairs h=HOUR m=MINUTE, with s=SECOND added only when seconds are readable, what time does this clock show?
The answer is h=7 m=26 s=59
